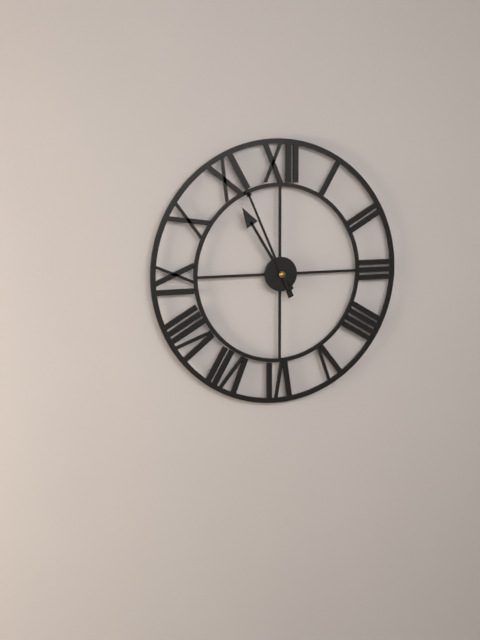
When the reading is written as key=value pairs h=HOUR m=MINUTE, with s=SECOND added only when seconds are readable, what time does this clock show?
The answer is h=10 m=56
